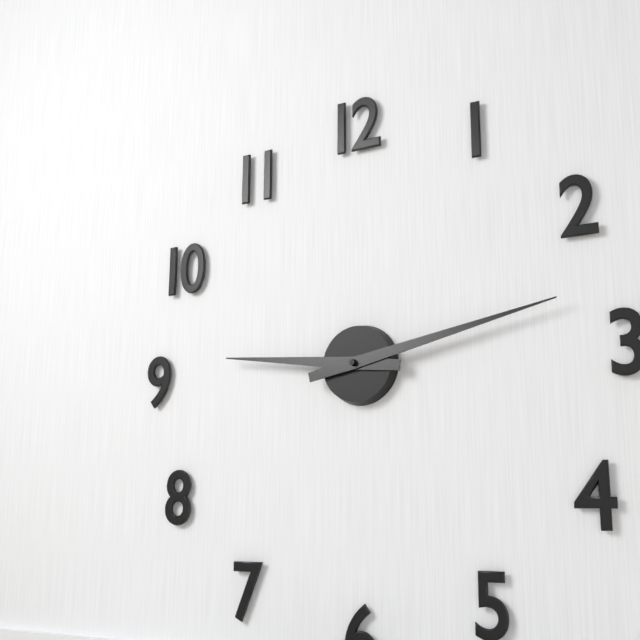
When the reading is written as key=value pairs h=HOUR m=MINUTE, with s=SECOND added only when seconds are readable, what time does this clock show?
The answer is h=9 m=13
